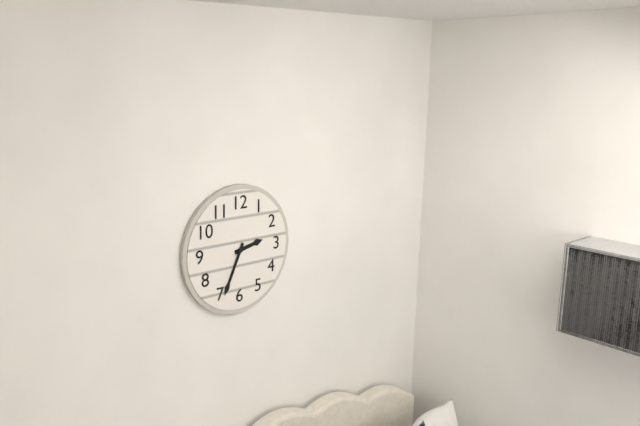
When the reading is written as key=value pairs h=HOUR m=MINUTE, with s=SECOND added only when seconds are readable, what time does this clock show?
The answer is h=2 m=34
